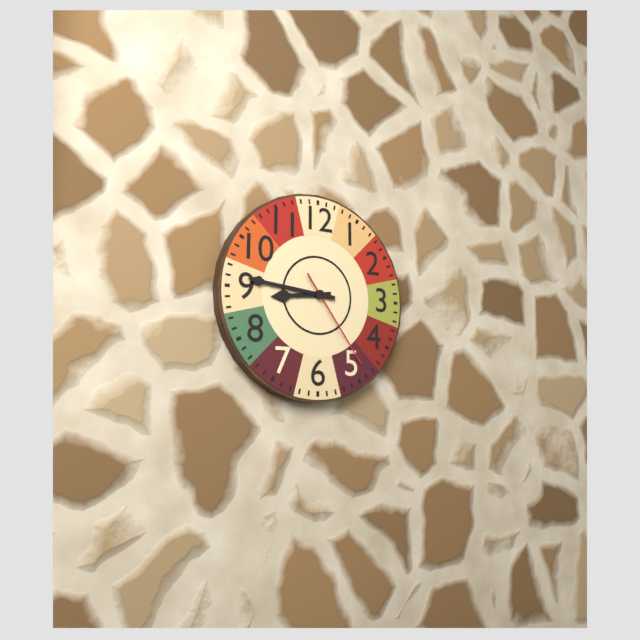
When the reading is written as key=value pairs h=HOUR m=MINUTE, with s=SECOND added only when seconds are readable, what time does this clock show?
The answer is h=8 m=46 s=24
